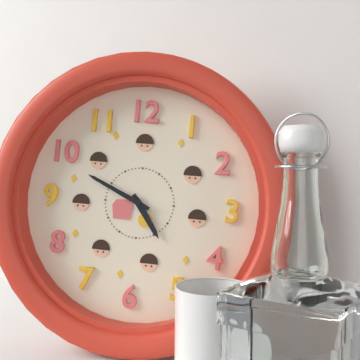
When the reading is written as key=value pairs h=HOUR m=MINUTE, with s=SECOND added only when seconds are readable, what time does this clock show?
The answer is h=4 m=49
